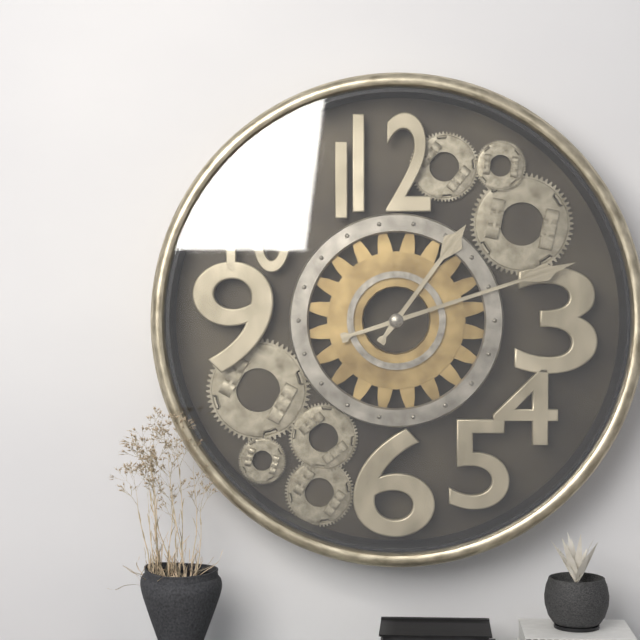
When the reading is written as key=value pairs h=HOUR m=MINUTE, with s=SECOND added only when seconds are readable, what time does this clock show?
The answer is h=1 m=12
